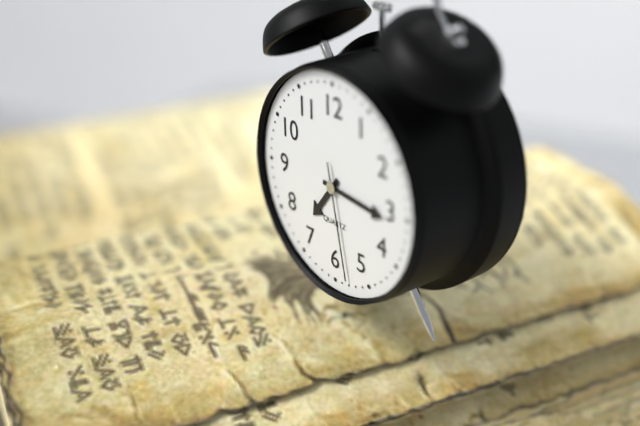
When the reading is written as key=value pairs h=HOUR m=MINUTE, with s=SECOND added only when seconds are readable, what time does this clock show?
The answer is h=7 m=16 s=28
